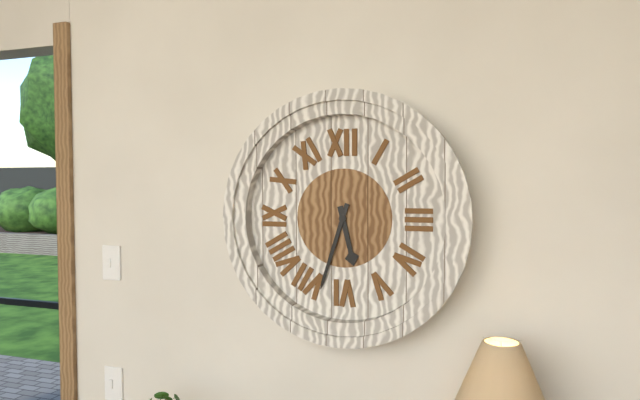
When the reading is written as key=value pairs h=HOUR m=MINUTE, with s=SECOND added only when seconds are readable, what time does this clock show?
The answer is h=5 m=33
